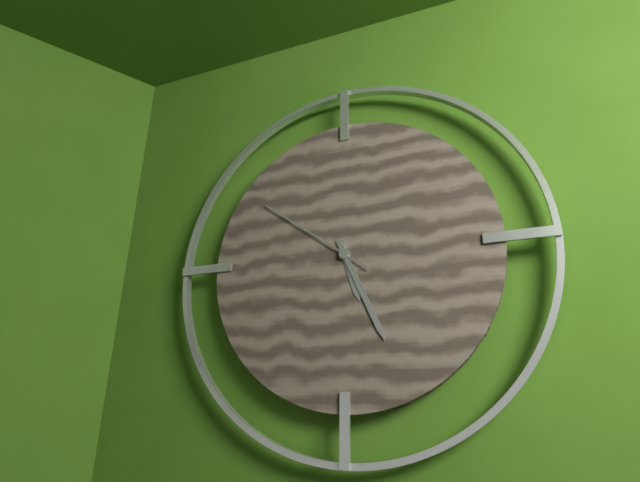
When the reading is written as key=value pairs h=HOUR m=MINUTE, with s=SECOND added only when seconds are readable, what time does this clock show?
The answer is h=5 m=26 s=51
